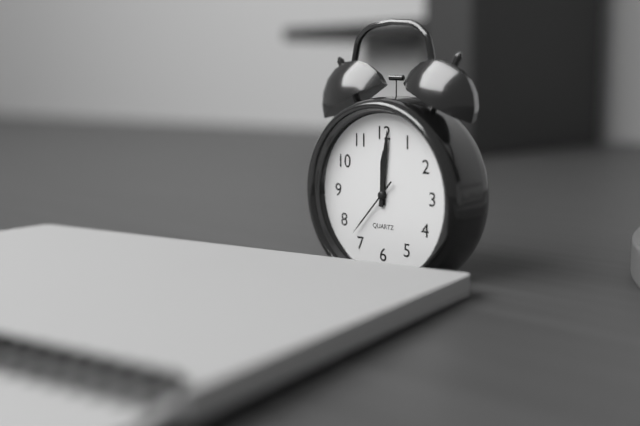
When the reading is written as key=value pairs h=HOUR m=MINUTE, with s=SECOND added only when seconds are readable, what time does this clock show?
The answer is h=12 m=1 s=37
